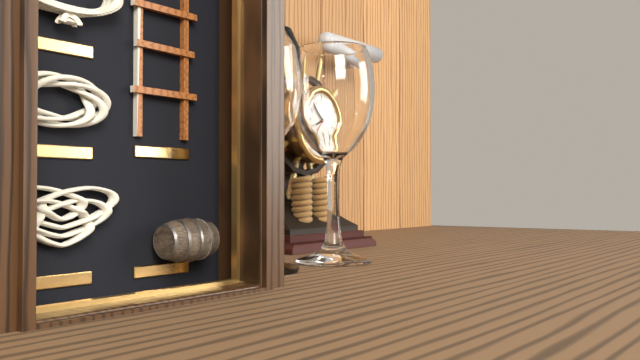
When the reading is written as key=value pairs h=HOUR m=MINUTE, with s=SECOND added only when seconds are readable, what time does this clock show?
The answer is h=7 m=53
